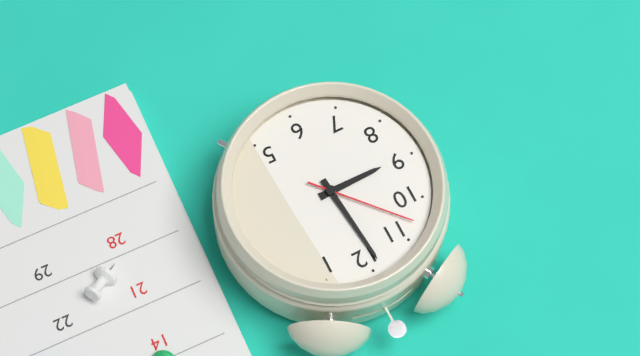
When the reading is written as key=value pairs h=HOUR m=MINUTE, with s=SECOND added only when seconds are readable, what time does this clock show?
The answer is h=8 m=59 s=53
